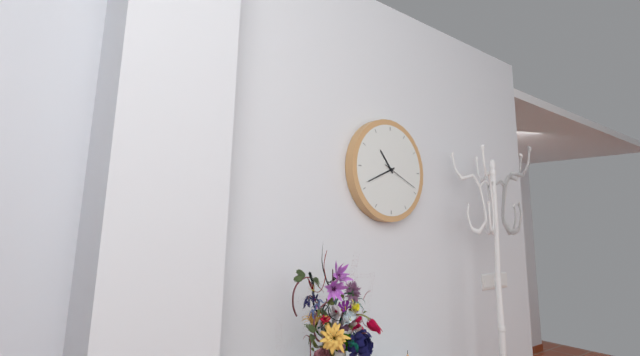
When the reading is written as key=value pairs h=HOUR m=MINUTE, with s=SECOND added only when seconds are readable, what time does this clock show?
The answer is h=10 m=41
